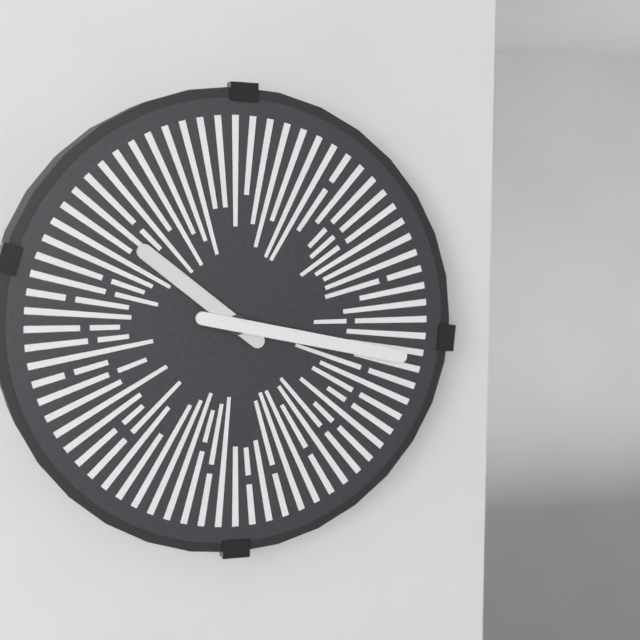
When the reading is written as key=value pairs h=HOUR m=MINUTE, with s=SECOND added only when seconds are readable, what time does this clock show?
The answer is h=10 m=17
